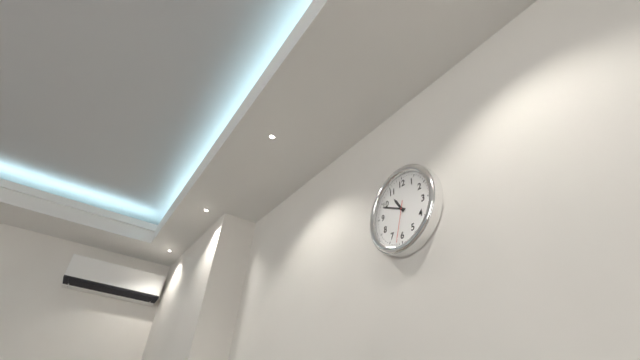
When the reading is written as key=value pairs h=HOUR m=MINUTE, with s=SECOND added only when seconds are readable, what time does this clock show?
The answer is h=10 m=49
